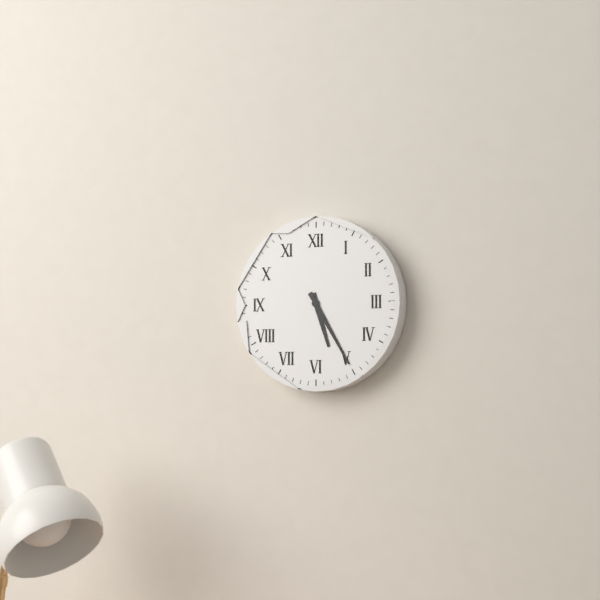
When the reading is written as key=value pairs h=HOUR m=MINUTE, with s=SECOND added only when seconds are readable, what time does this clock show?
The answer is h=5 m=25
